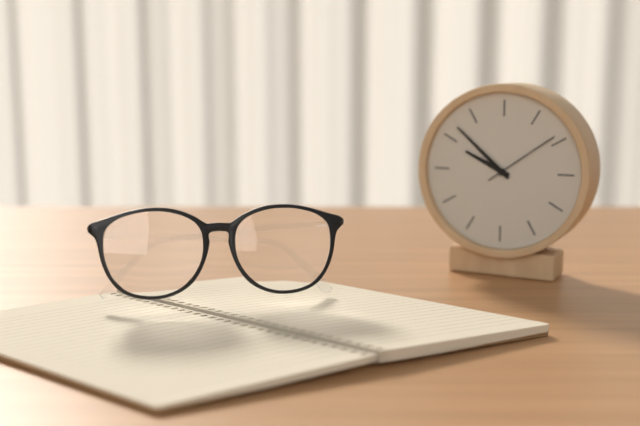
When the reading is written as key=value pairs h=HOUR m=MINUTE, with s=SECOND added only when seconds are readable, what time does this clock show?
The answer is h=9 m=52 s=9
